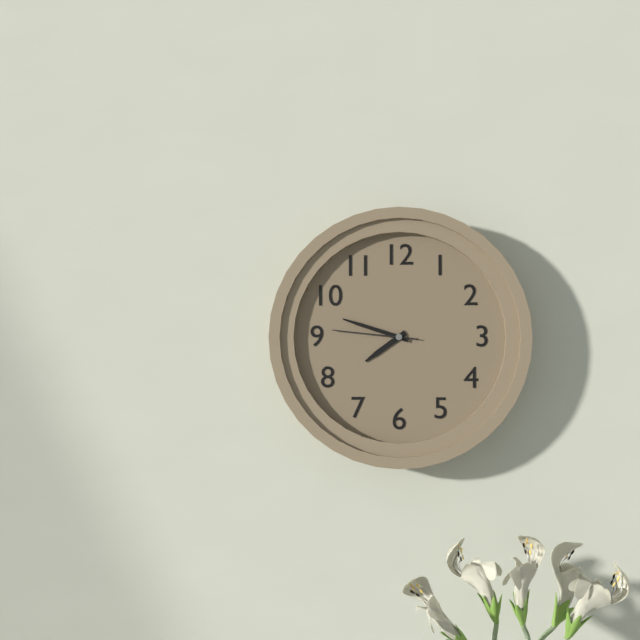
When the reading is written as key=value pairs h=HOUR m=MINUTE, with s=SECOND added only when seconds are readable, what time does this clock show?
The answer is h=7 m=48 s=46
